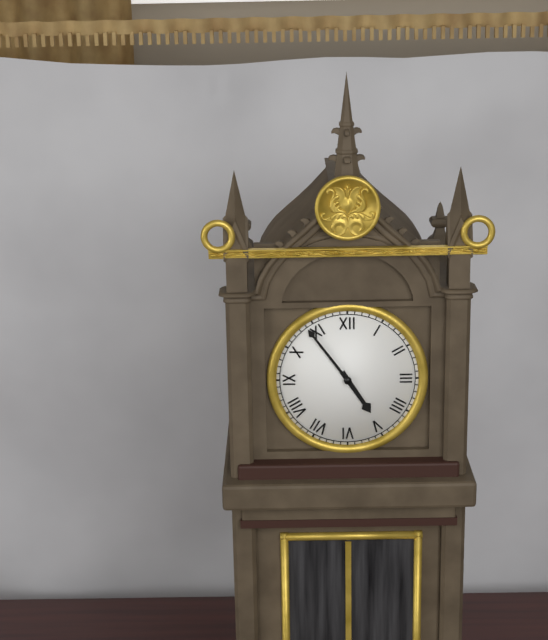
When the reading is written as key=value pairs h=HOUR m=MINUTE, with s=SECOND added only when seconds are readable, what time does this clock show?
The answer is h=4 m=54
